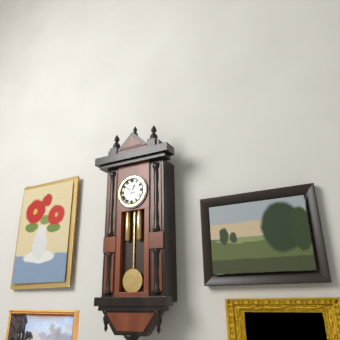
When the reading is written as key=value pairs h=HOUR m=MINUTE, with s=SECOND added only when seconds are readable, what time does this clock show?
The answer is h=12 m=51
